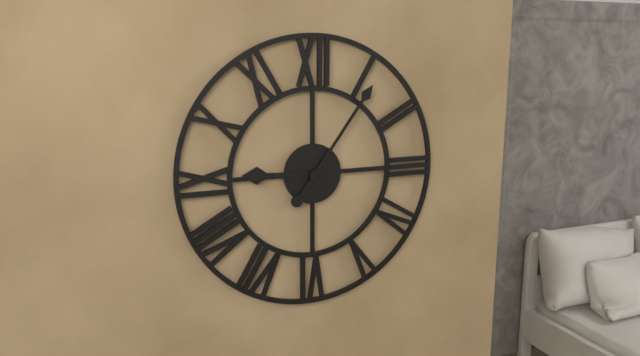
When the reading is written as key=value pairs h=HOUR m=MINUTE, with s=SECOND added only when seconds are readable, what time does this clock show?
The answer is h=9 m=6
